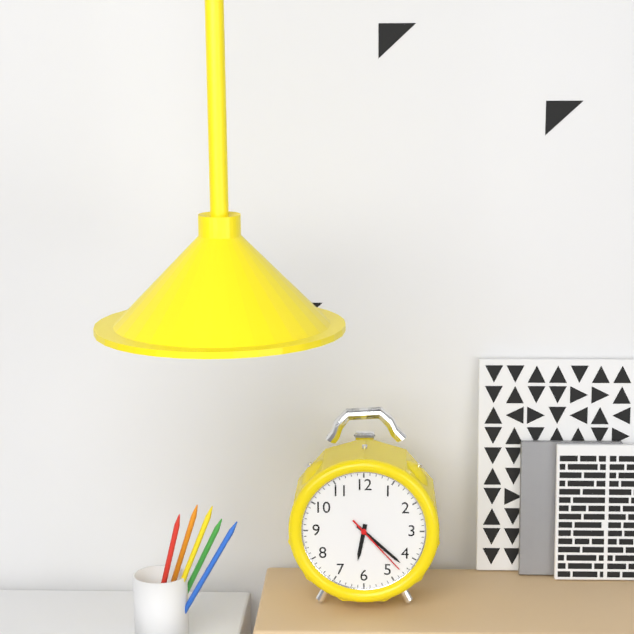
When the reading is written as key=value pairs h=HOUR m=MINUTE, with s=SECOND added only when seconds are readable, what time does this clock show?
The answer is h=6 m=22 s=23
